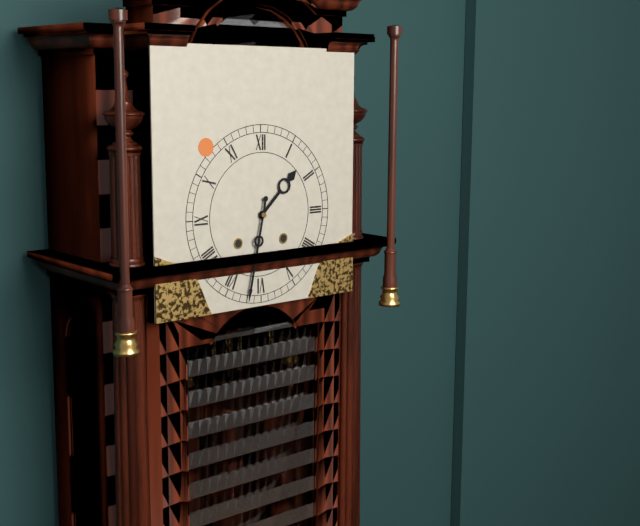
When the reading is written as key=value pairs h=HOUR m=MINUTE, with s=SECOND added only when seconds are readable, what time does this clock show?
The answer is h=1 m=32
